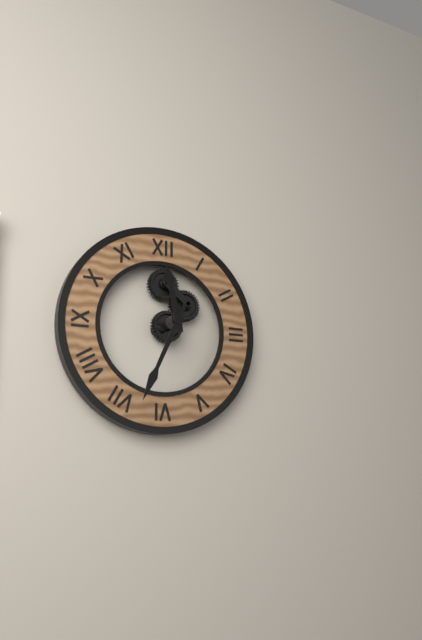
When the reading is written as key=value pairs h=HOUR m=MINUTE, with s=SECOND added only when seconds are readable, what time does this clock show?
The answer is h=11 m=34
